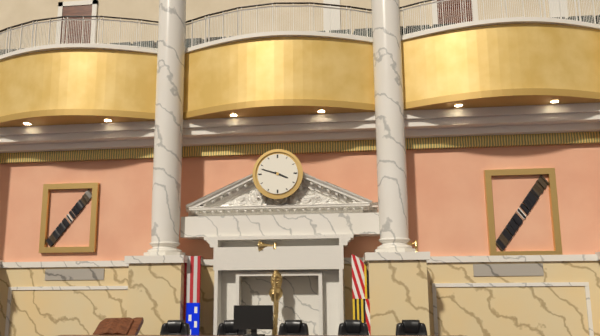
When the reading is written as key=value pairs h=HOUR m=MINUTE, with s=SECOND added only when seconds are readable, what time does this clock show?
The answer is h=3 m=48
